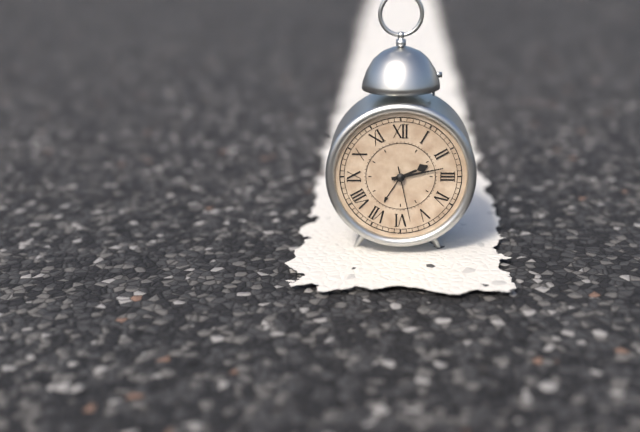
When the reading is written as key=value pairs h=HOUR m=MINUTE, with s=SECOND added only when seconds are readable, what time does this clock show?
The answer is h=2 m=13 s=28
